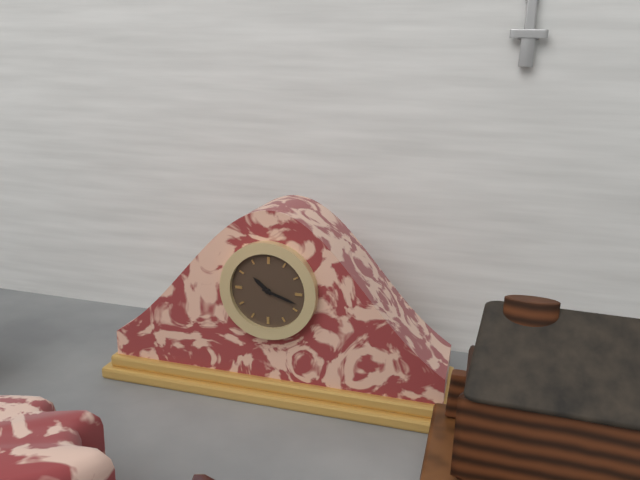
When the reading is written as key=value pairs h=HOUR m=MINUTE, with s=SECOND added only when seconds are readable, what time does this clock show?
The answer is h=10 m=18
